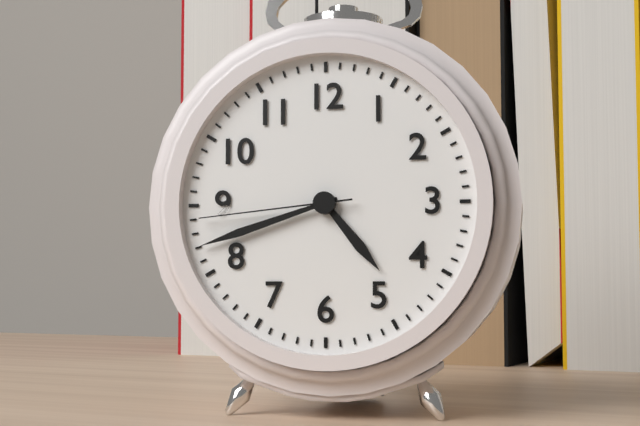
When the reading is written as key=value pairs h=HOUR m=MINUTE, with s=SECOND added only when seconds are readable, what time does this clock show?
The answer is h=4 m=42 s=44
